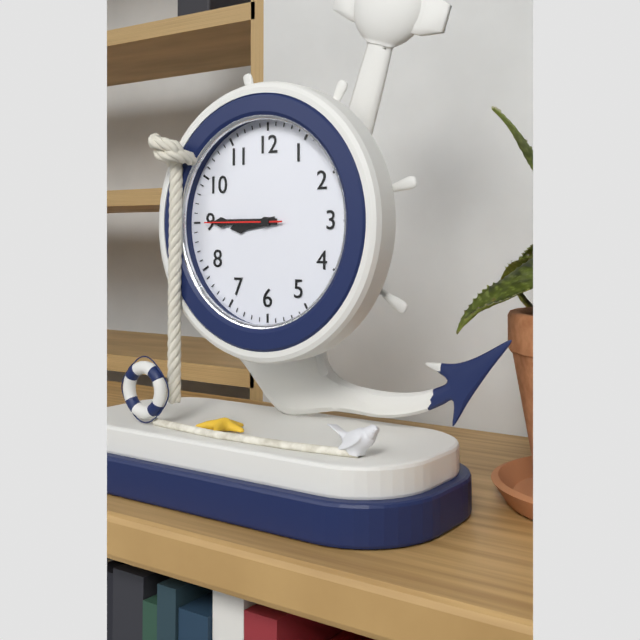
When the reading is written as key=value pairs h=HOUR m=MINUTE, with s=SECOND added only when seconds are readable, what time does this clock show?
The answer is h=8 m=45 s=45
